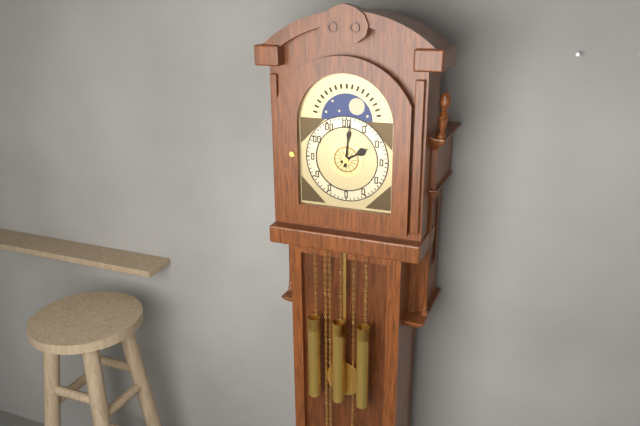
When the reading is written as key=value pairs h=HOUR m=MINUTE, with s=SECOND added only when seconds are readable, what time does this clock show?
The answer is h=2 m=1
